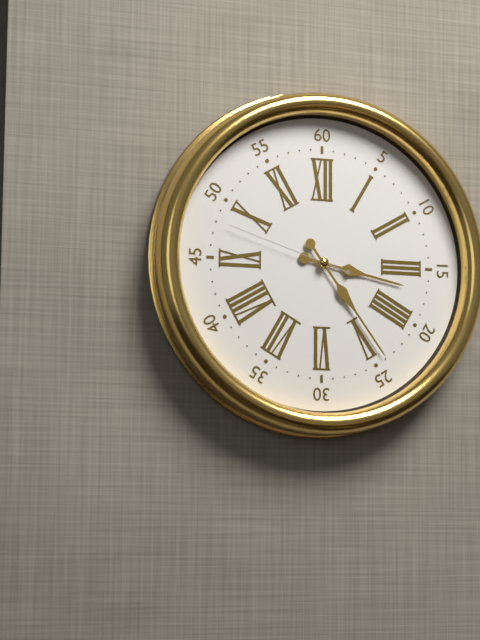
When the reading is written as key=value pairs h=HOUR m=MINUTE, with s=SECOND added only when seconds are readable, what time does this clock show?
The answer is h=3 m=24 s=48
